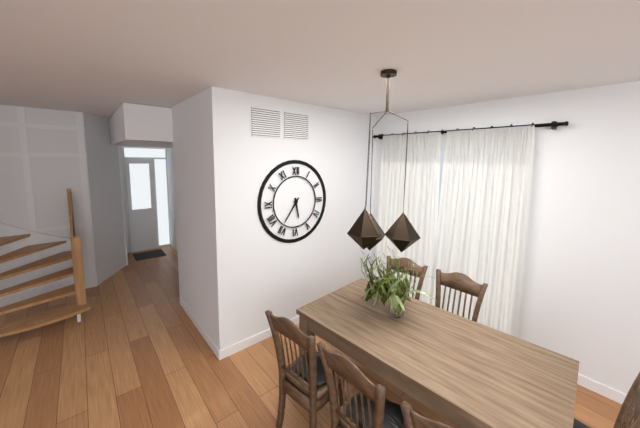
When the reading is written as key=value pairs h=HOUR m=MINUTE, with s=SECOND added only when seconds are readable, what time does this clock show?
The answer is h=5 m=36
